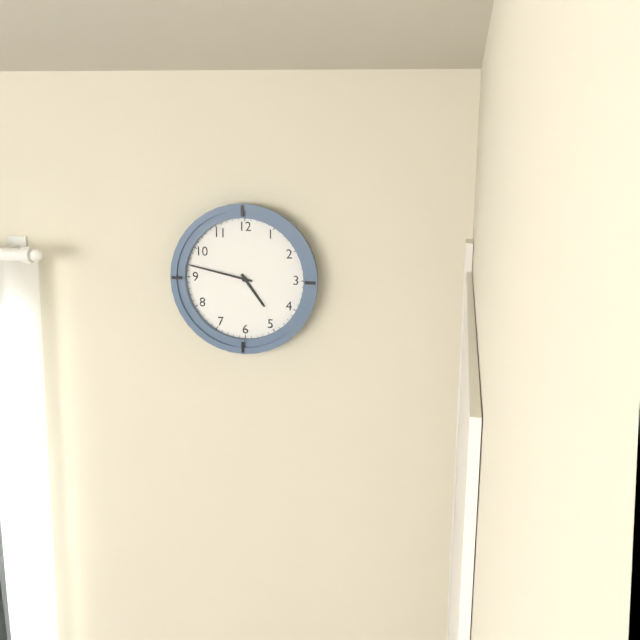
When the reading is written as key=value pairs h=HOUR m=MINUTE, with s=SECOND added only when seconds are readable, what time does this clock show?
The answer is h=4 m=47
